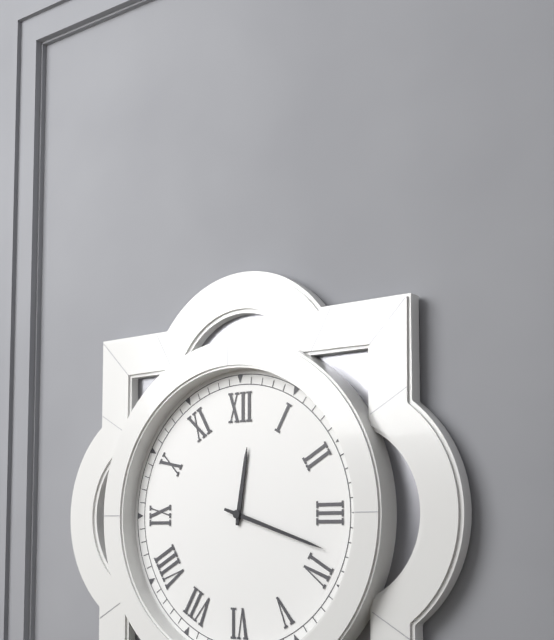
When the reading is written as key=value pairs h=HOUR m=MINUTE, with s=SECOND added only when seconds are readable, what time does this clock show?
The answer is h=12 m=18
